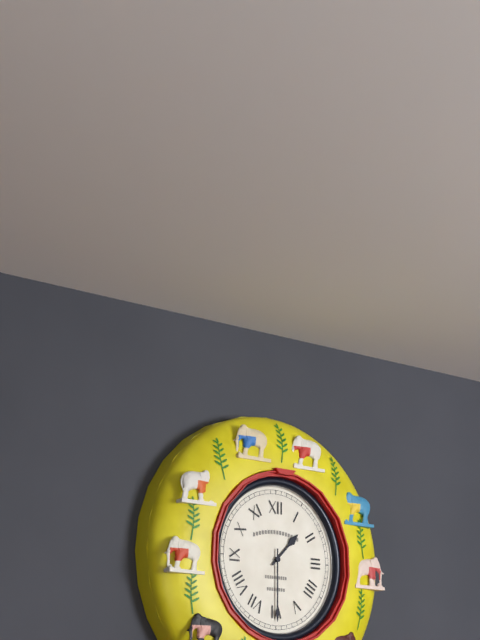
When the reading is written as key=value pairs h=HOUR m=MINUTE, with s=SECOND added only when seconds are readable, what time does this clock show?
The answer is h=1 m=30
